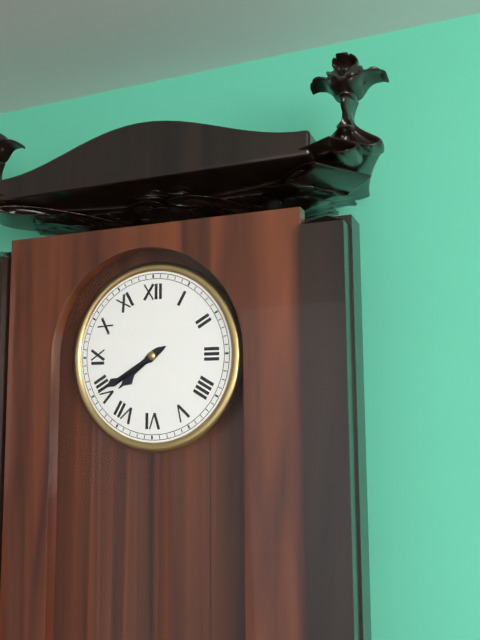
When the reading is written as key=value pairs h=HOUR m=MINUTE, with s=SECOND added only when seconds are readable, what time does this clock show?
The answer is h=7 m=40
